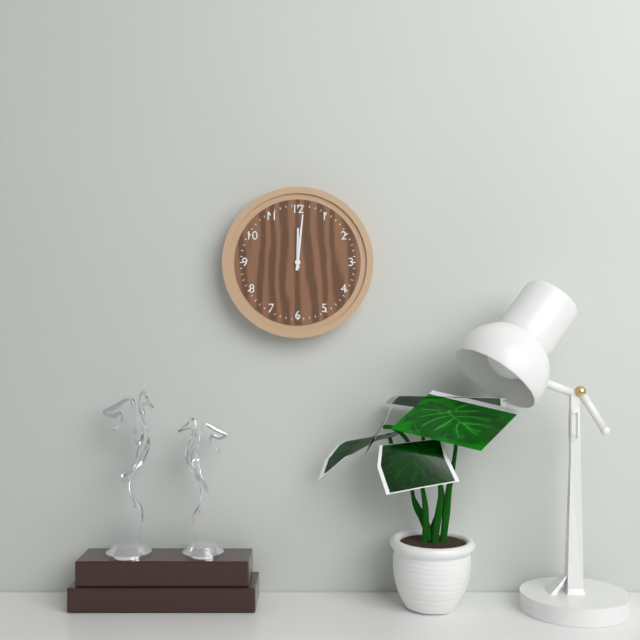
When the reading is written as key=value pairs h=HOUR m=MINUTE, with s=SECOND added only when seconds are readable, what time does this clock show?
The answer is h=12 m=1
